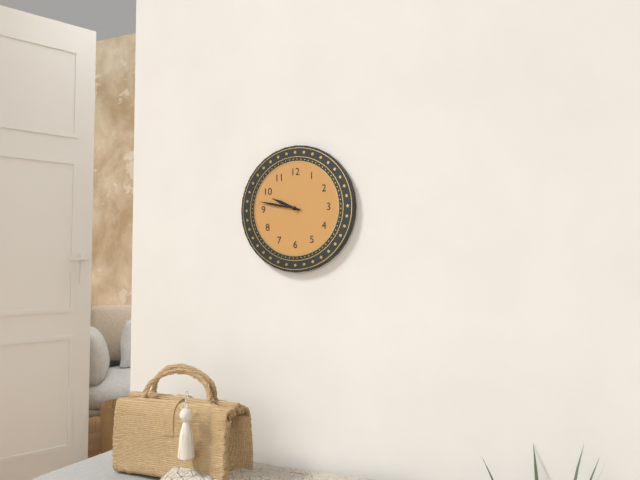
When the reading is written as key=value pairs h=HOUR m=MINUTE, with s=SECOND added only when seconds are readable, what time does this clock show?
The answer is h=9 m=47
